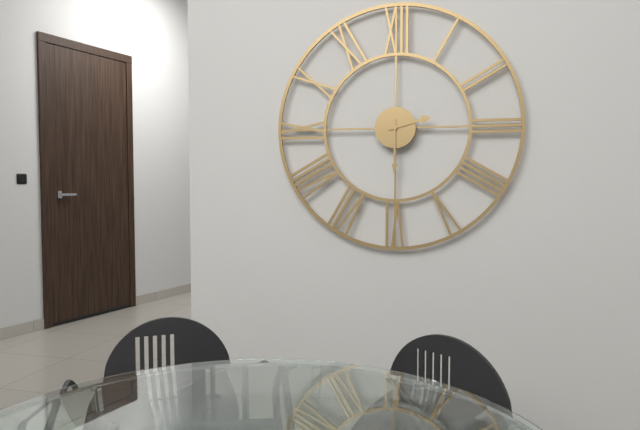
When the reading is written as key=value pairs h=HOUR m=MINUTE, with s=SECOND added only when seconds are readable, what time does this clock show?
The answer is h=2 m=30
